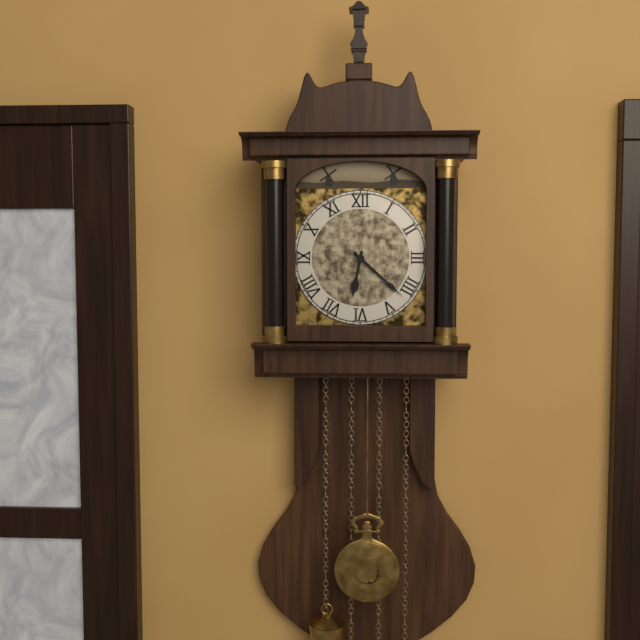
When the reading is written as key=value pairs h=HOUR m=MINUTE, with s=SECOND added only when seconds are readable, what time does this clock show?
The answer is h=6 m=22
